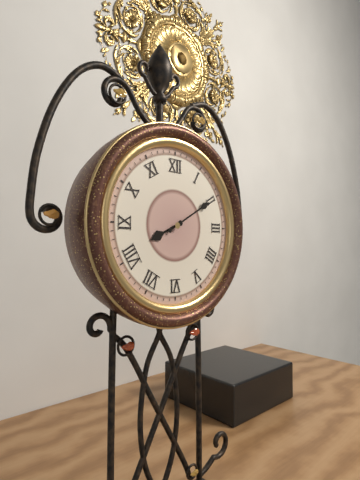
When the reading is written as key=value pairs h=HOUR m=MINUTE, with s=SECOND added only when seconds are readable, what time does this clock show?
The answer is h=8 m=10
